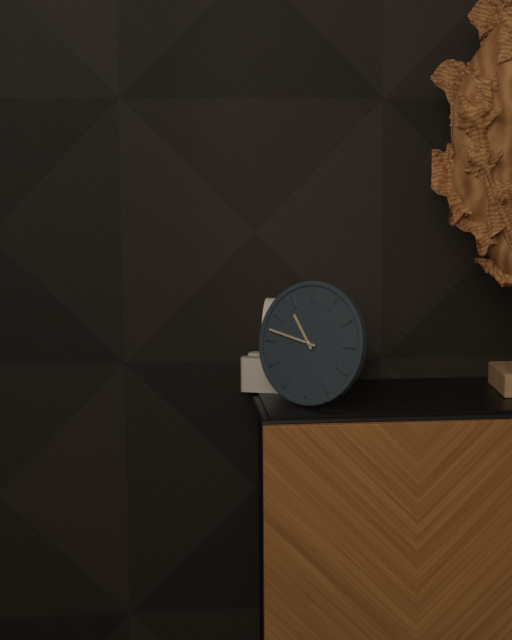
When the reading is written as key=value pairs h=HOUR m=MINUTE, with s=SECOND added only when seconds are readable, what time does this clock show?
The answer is h=10 m=47
